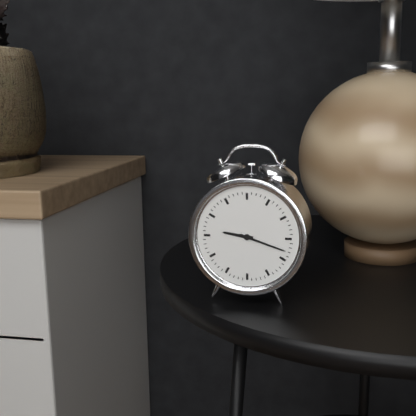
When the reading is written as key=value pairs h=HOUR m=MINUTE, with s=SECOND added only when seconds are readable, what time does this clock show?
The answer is h=9 m=18
